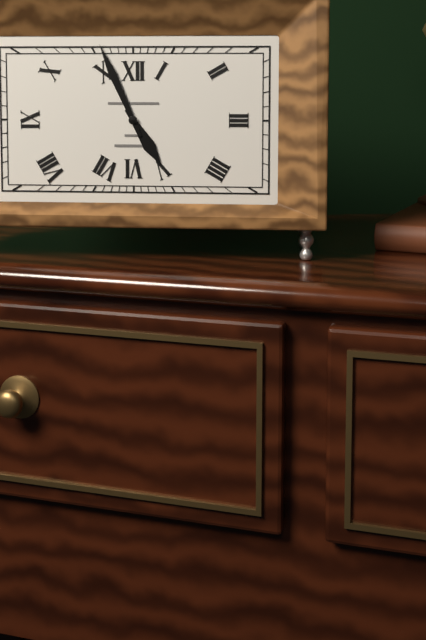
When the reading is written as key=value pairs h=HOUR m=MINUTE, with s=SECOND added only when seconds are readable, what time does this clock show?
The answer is h=4 m=56
